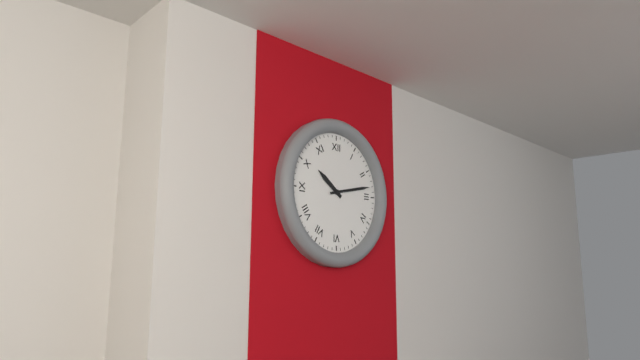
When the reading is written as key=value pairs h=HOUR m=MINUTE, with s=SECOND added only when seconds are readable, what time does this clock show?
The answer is h=10 m=13
